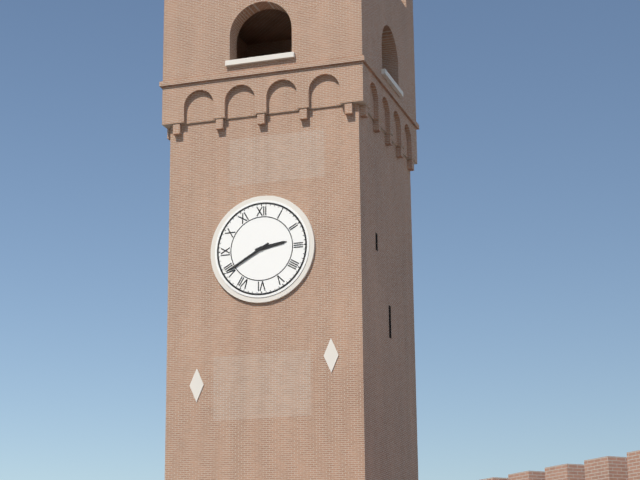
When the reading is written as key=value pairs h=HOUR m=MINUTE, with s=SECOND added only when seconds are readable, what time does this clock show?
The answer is h=2 m=40
